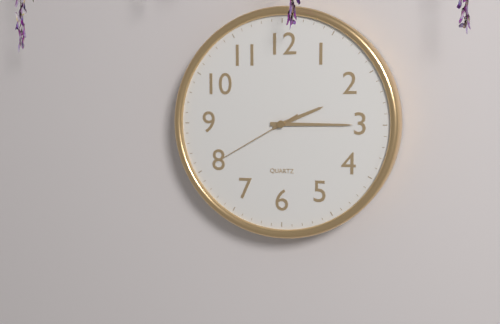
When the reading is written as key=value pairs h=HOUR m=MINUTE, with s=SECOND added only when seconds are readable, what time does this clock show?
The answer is h=2 m=15 s=40
